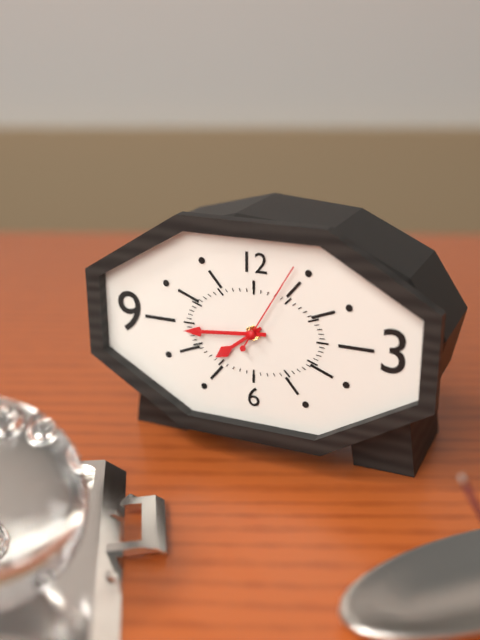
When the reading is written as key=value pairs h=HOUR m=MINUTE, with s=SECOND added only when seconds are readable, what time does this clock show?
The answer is h=7 m=44 s=5
